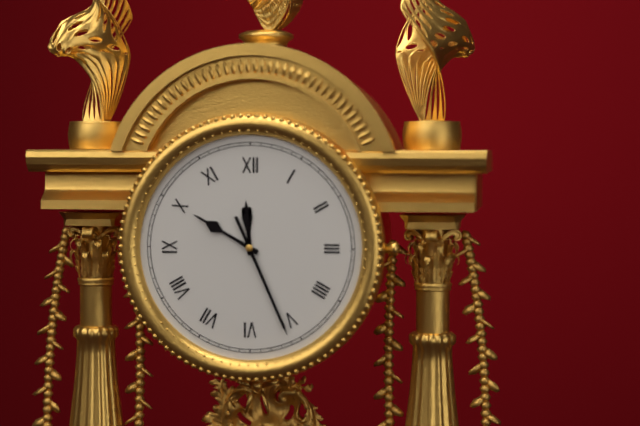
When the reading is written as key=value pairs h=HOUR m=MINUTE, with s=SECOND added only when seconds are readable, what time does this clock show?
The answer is h=11 m=50 s=26
